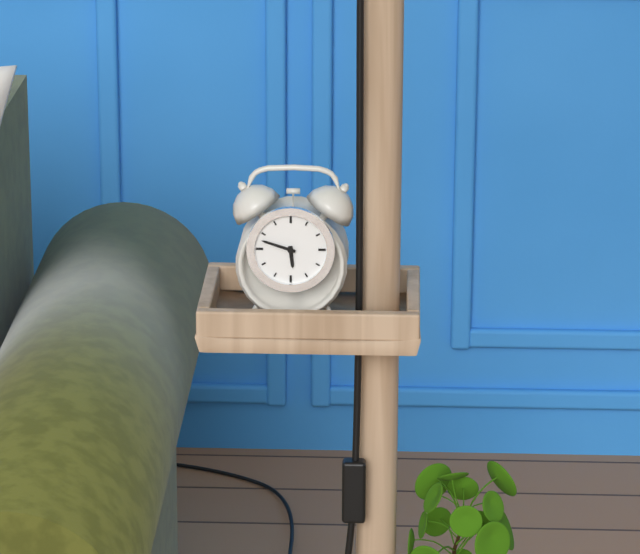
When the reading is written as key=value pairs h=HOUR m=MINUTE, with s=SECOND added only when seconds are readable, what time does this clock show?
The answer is h=5 m=48
